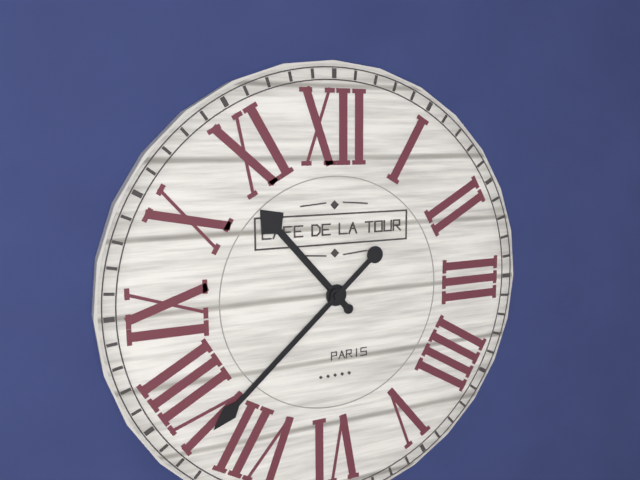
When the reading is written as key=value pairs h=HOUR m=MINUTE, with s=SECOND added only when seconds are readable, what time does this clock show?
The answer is h=10 m=38
